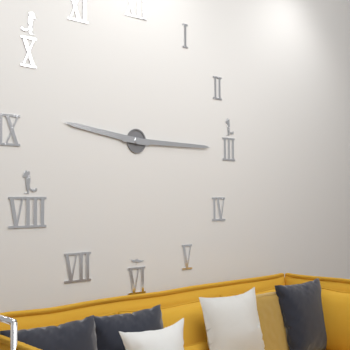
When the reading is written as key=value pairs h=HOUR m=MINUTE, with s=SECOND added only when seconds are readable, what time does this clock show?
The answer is h=9 m=15
